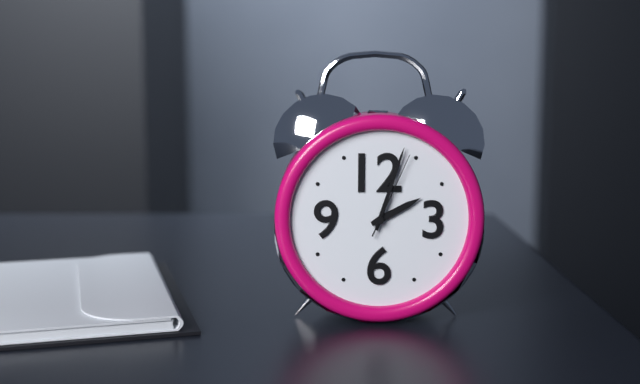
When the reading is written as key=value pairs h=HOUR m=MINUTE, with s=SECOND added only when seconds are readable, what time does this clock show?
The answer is h=2 m=3 s=4
